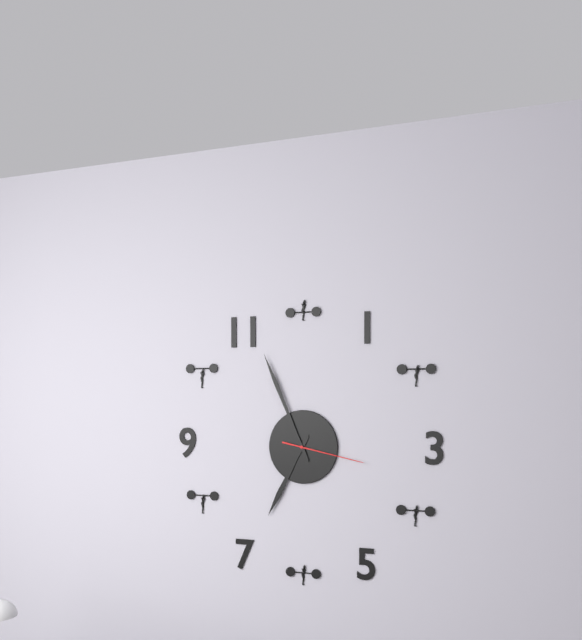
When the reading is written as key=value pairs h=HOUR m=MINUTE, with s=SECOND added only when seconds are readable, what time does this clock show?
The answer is h=6 m=56 s=17
